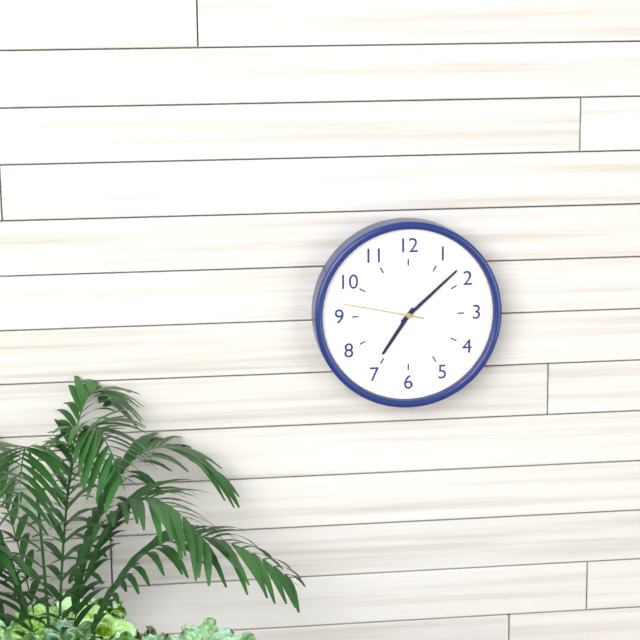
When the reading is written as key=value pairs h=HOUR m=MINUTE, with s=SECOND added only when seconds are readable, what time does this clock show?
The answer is h=7 m=8 s=47
